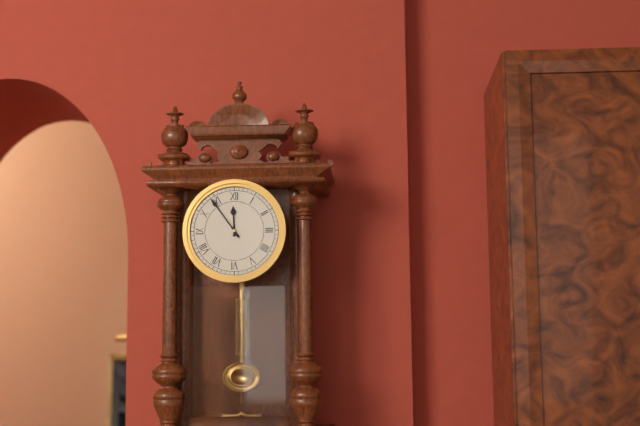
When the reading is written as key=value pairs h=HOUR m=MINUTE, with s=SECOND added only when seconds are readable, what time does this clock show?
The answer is h=11 m=54
